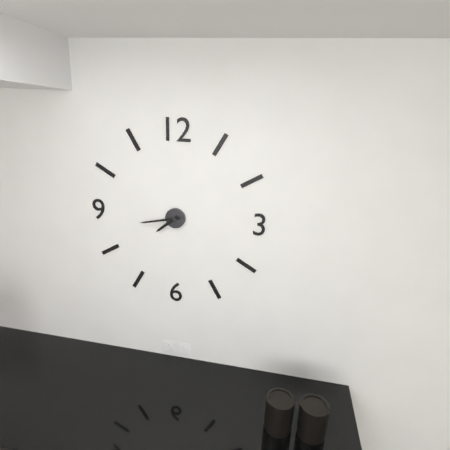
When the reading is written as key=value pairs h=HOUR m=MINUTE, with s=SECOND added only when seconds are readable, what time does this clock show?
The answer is h=7 m=43
